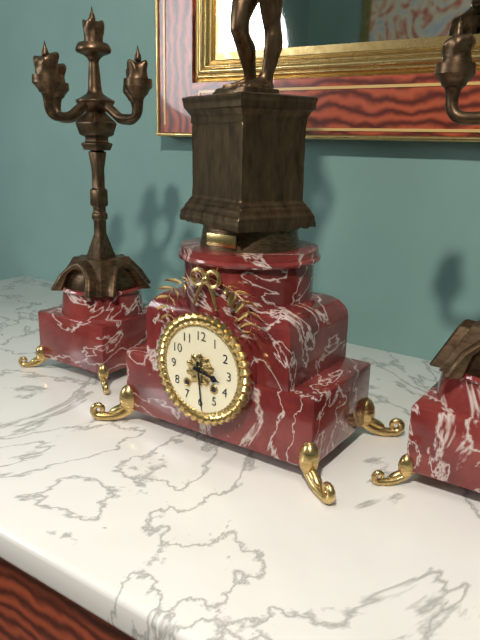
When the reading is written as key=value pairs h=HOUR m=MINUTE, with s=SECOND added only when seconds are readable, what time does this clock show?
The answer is h=3 m=29
